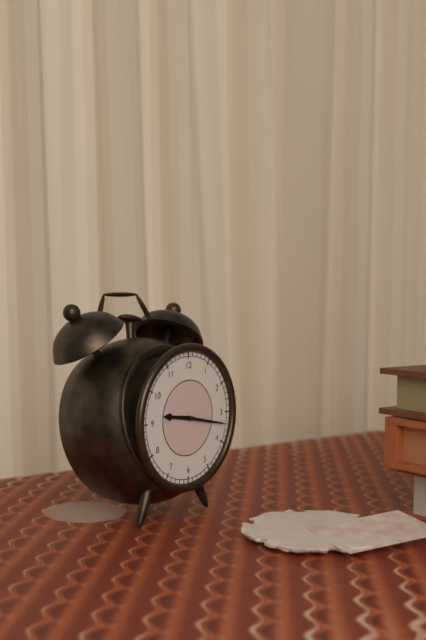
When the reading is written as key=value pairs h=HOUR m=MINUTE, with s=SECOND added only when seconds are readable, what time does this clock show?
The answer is h=9 m=17
